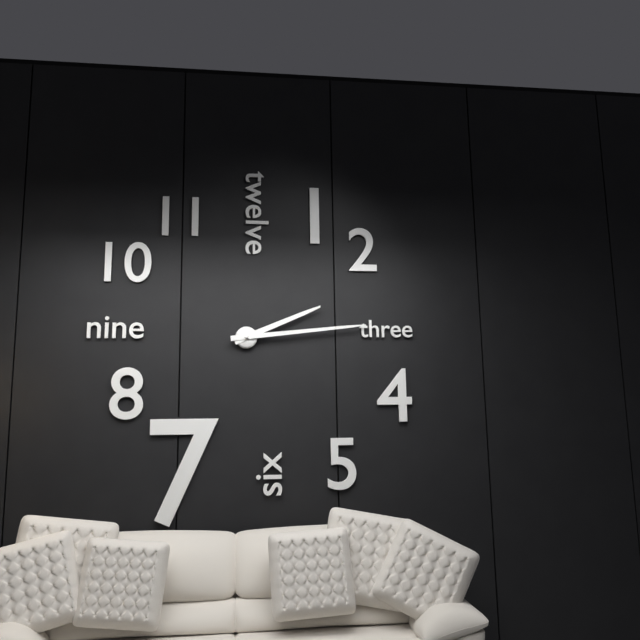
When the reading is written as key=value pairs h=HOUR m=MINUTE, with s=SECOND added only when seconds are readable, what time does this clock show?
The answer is h=2 m=14
